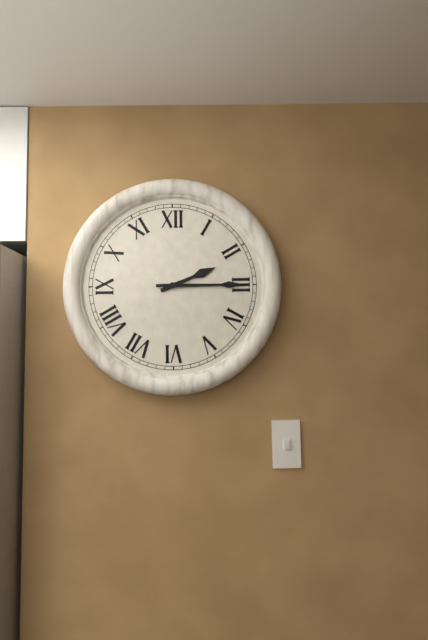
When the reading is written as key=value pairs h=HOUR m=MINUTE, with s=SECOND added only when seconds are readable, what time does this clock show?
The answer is h=2 m=15
